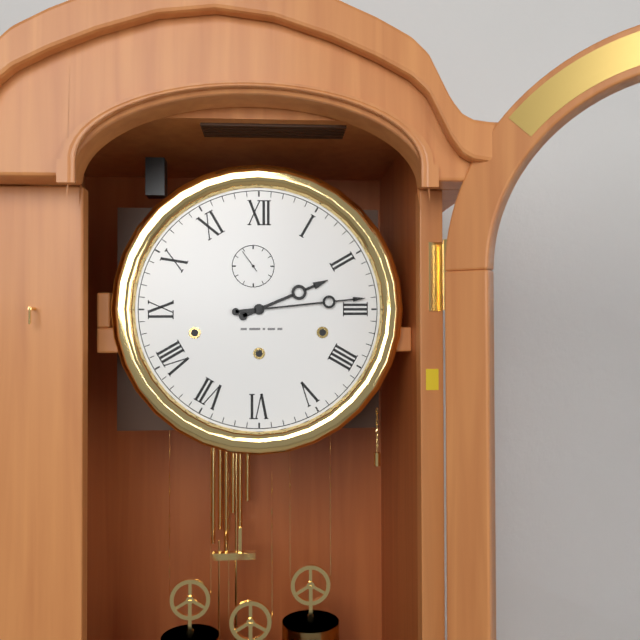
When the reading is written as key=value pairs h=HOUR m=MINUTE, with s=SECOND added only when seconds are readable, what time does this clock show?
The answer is h=2 m=14
